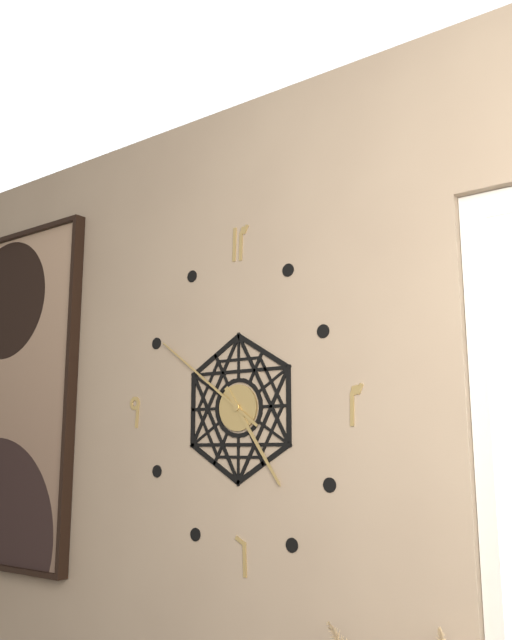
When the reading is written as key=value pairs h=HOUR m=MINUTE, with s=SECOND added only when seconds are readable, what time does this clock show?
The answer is h=4 m=51
